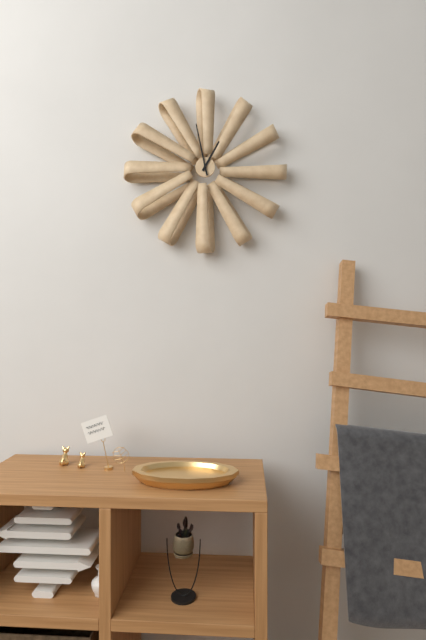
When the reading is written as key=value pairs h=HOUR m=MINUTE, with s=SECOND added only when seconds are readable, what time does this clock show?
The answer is h=12 m=58
